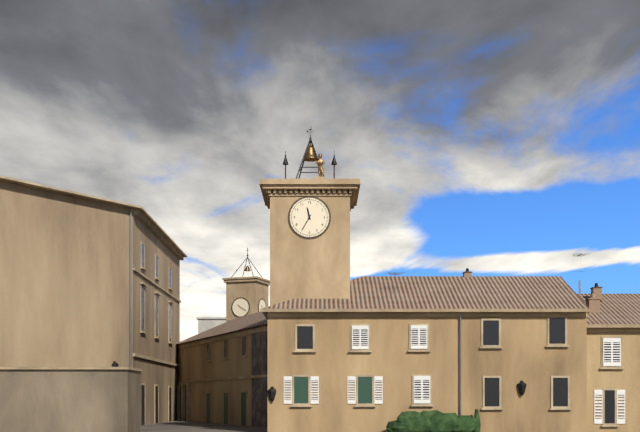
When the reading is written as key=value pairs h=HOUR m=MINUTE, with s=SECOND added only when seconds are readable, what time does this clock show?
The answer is h=11 m=35
